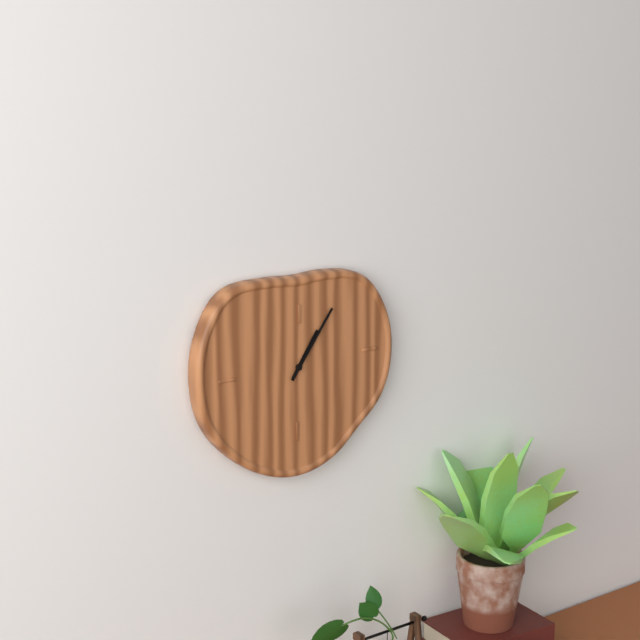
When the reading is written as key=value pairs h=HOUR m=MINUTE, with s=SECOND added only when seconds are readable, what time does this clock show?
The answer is h=1 m=6
